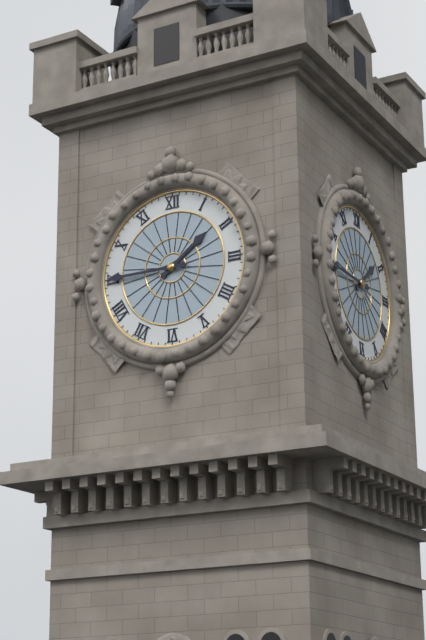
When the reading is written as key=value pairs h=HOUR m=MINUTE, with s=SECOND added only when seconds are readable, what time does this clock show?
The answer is h=1 m=45
